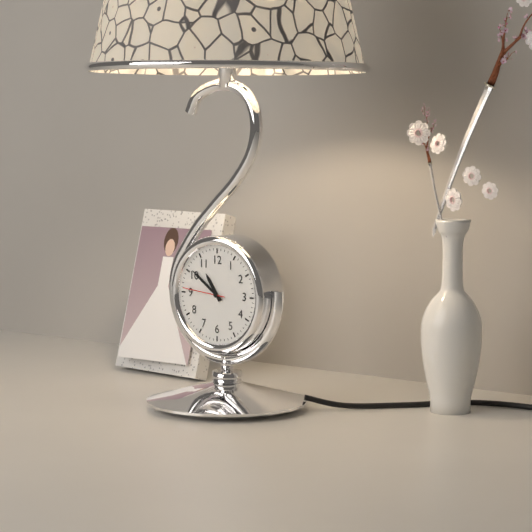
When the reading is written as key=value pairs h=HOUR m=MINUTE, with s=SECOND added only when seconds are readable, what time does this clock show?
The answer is h=10 m=51
